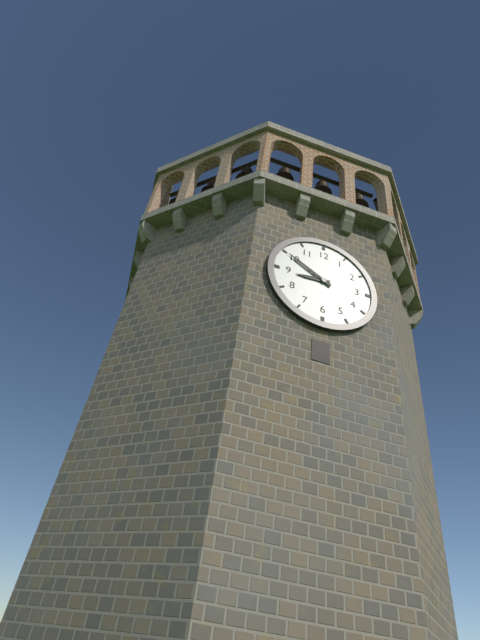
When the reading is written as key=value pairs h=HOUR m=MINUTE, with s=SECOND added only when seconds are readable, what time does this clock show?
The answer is h=8 m=50
